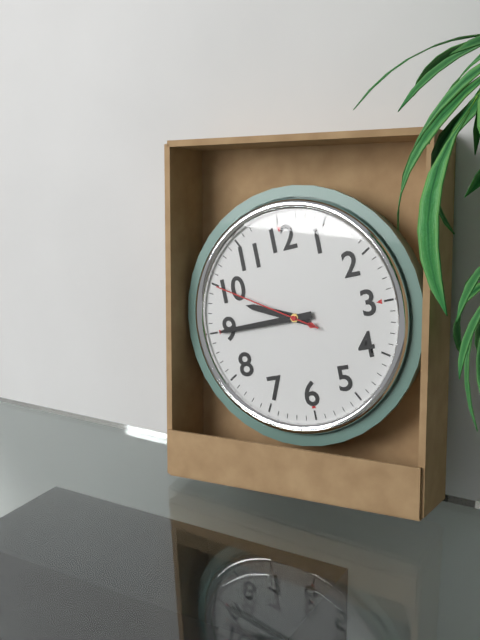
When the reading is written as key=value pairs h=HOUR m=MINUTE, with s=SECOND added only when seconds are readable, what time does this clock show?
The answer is h=9 m=45 s=50
